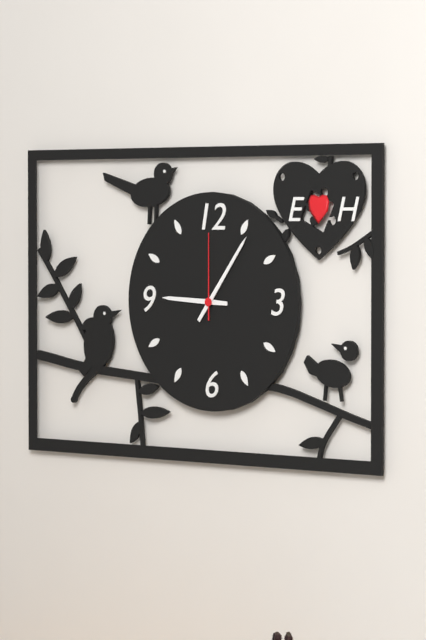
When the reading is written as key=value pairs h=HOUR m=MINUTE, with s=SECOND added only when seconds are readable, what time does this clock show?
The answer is h=9 m=6 s=0
